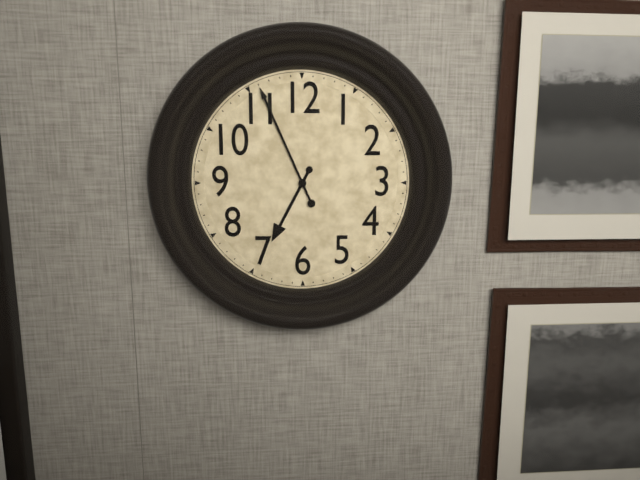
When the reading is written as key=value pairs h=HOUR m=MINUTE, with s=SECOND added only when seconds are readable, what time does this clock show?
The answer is h=6 m=56
